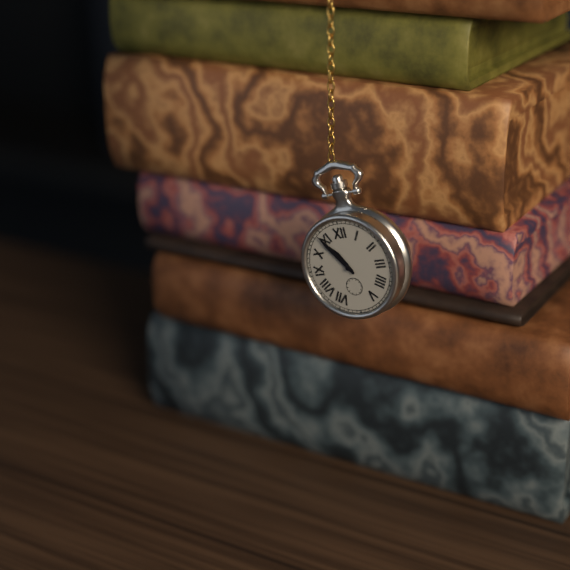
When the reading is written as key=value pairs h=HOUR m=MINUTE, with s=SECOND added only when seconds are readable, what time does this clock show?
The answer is h=10 m=54
